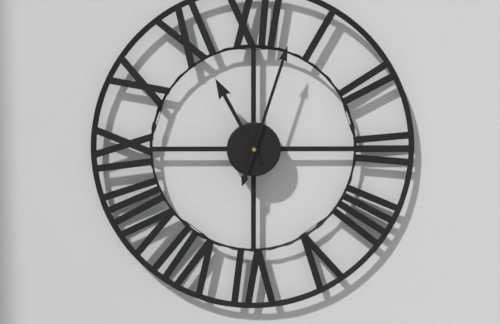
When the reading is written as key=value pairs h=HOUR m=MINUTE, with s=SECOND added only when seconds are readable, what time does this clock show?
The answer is h=11 m=3
